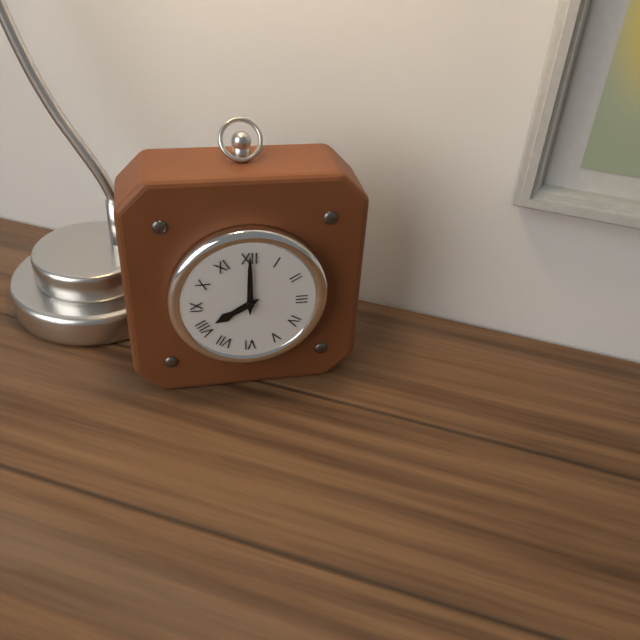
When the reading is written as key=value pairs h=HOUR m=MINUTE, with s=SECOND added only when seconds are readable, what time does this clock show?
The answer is h=8 m=0
